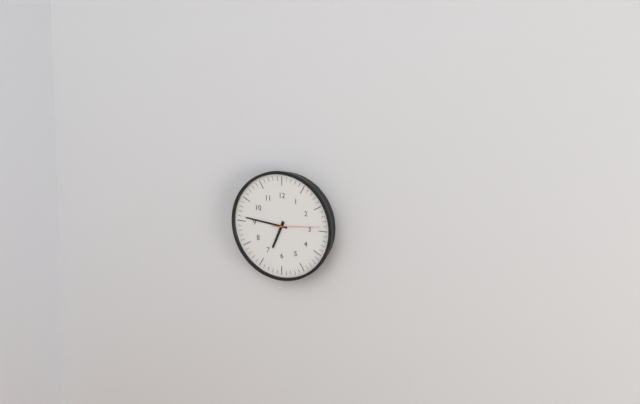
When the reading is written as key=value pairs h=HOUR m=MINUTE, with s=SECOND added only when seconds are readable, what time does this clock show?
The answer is h=6 m=46
